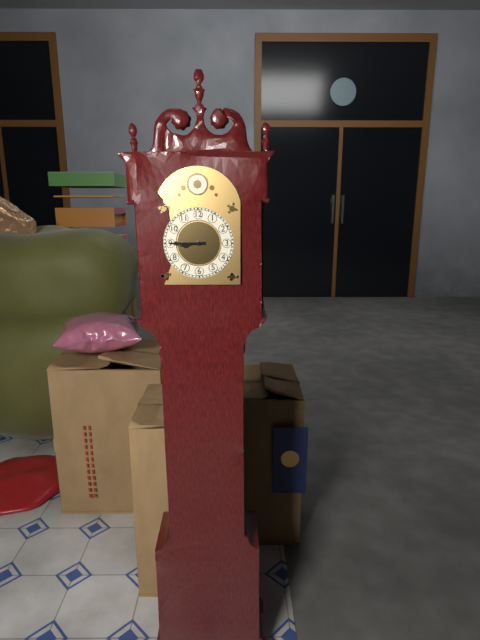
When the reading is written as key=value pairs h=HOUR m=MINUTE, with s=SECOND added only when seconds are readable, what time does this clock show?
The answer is h=8 m=45
